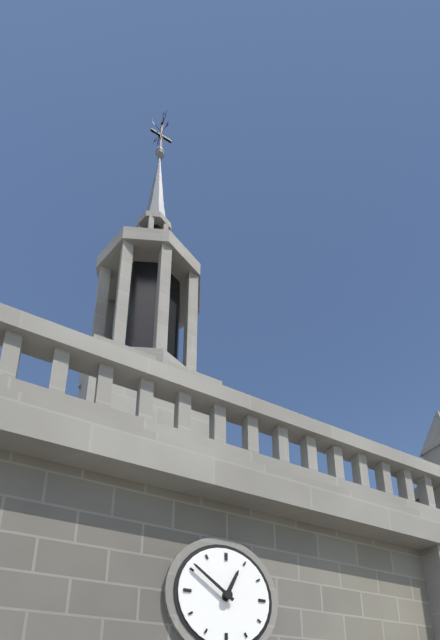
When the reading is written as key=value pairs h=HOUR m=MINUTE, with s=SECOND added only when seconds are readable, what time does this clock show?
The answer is h=12 m=51
